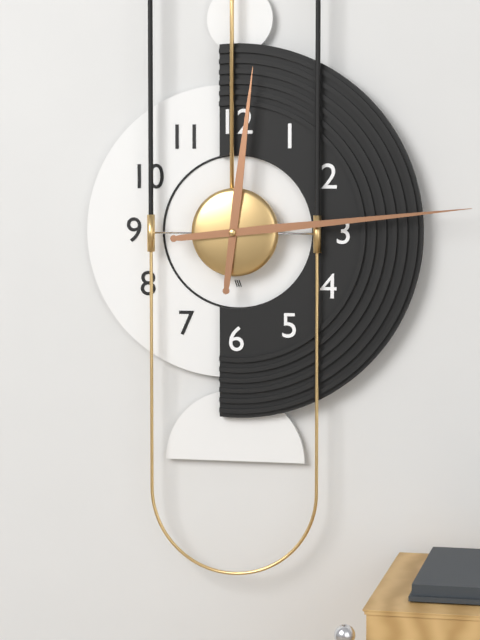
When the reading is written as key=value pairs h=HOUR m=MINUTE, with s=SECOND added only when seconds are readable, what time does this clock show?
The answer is h=12 m=14
